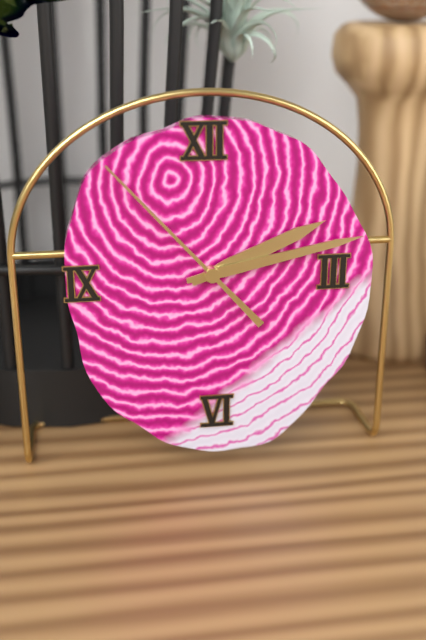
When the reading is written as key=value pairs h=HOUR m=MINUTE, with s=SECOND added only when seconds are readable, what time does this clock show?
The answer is h=2 m=13 s=53
